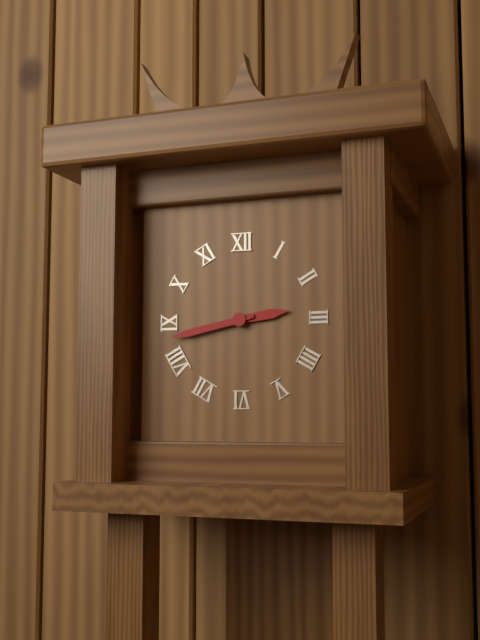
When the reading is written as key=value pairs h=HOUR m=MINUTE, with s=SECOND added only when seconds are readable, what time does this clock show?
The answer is h=2 m=43
